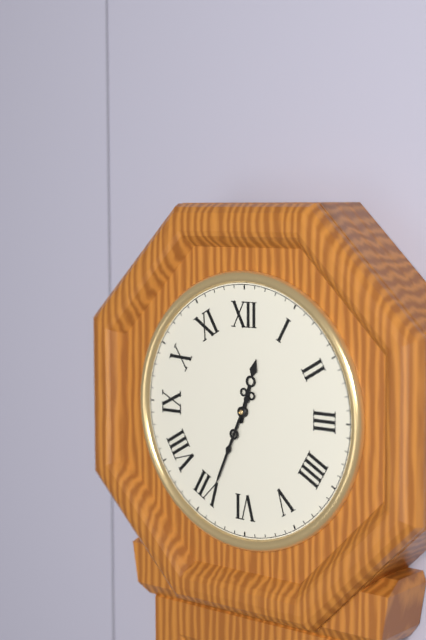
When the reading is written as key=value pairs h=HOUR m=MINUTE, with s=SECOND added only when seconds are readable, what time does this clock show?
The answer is h=12 m=34
